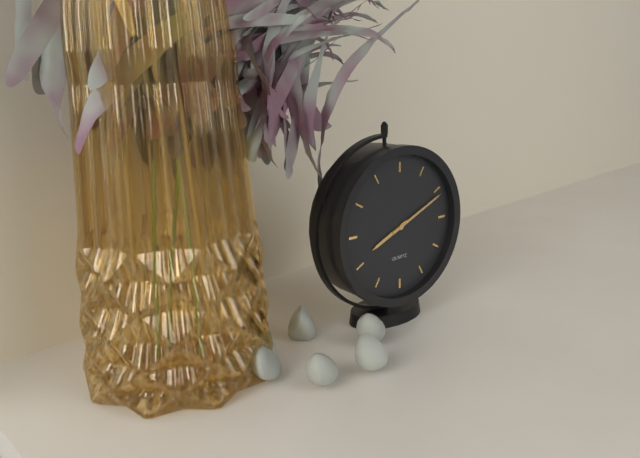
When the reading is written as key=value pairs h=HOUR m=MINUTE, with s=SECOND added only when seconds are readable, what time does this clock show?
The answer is h=8 m=11
